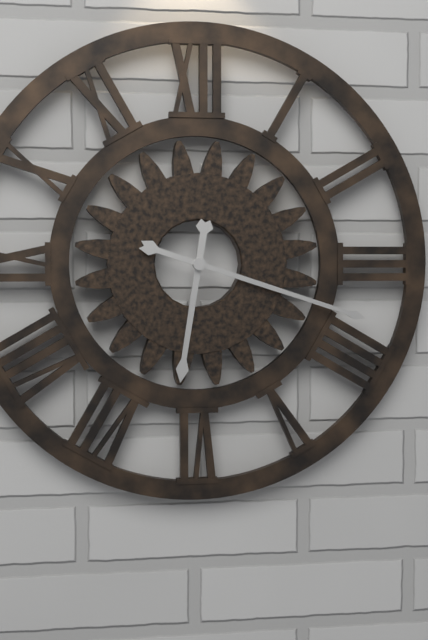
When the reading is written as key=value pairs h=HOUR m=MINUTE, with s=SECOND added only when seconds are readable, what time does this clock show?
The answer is h=6 m=18
